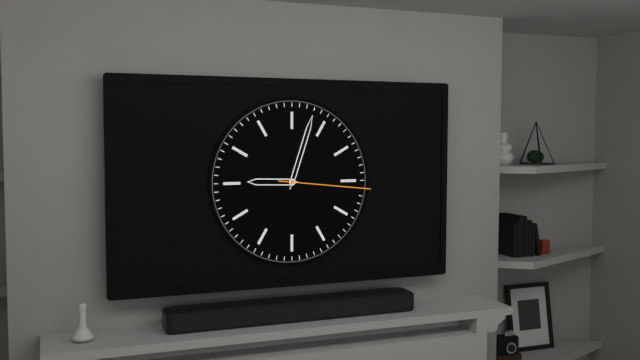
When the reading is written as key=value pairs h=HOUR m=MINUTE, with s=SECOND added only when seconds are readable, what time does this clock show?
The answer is h=9 m=3 s=16
